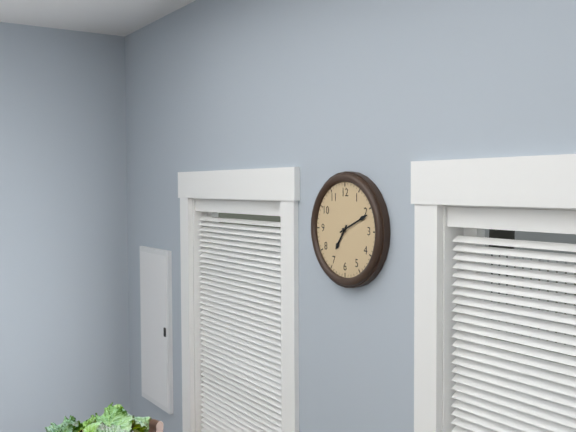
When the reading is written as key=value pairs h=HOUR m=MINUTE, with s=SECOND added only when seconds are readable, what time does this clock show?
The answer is h=7 m=11
